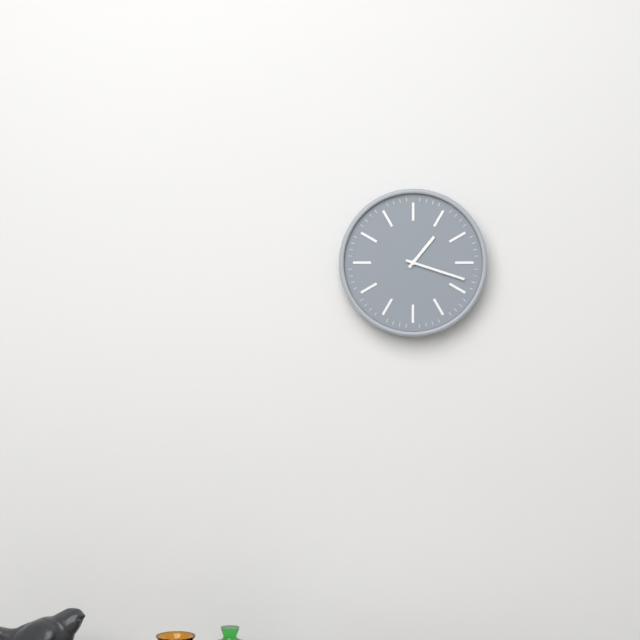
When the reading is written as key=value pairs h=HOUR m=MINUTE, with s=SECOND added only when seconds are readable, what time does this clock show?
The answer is h=1 m=18
